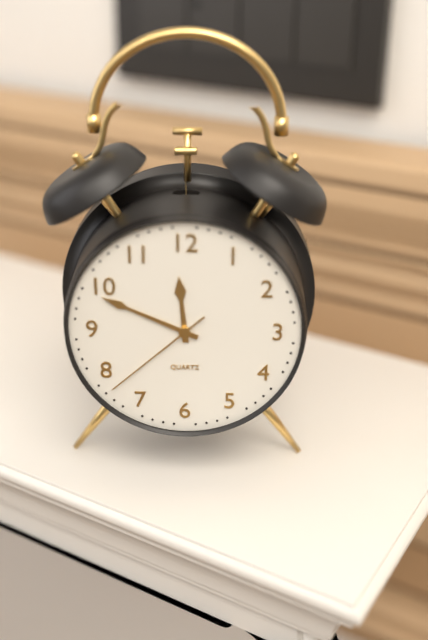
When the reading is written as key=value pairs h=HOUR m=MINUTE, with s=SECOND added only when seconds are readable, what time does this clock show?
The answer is h=11 m=49 s=38
